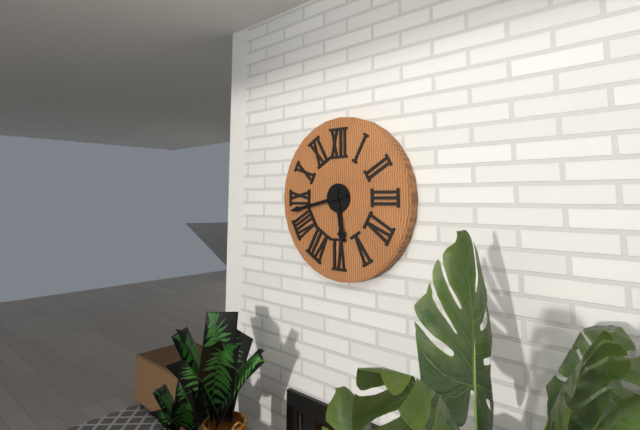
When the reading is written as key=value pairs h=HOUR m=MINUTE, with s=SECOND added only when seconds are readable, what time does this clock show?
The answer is h=5 m=43
